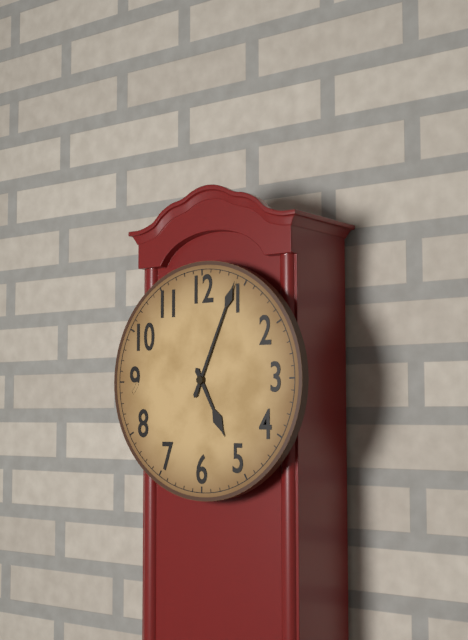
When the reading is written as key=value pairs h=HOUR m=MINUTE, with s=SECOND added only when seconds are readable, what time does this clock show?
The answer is h=5 m=4
